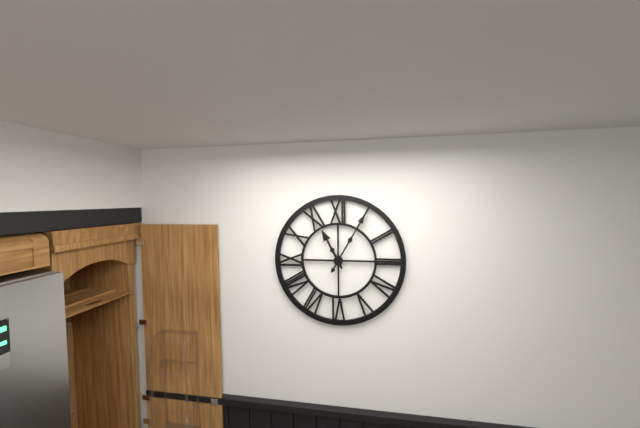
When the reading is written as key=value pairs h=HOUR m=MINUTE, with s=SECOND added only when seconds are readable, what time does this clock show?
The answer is h=11 m=5
